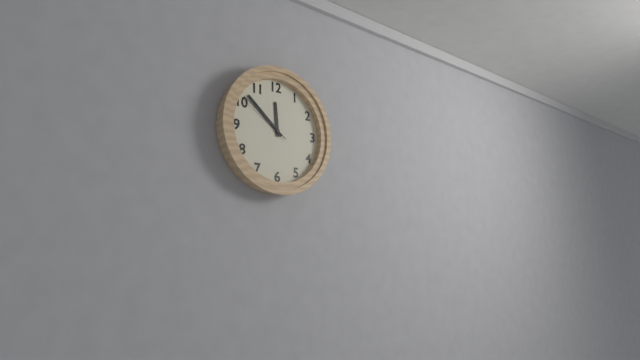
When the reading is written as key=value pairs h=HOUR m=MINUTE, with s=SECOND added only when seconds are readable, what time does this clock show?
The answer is h=11 m=52 s=51
